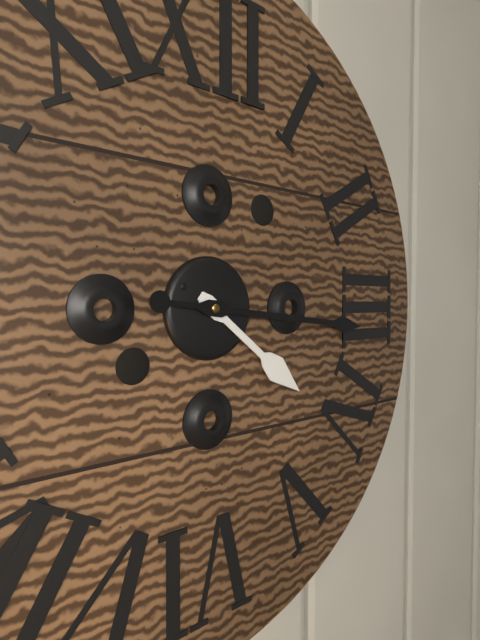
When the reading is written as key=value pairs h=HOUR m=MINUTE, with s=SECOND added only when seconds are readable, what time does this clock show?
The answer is h=4 m=16
